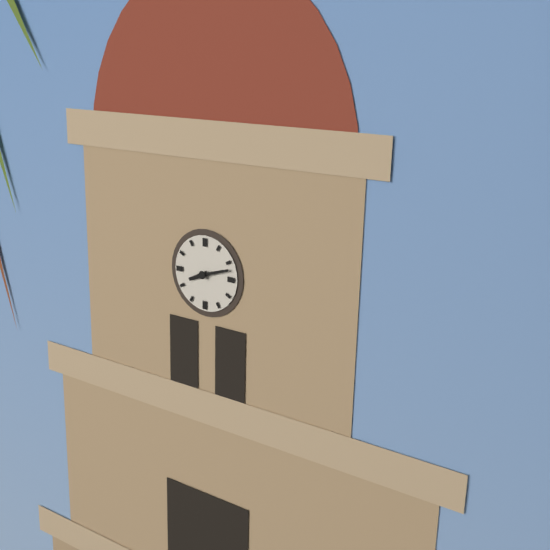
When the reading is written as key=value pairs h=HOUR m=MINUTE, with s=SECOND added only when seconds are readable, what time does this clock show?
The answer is h=8 m=12
